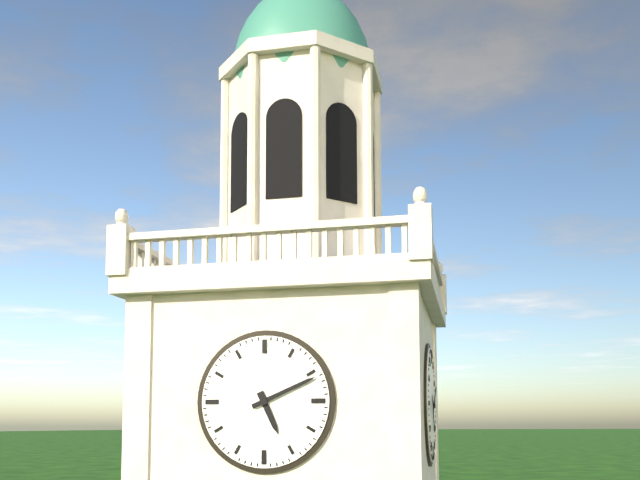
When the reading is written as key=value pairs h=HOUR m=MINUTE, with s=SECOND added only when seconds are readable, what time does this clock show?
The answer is h=5 m=11
